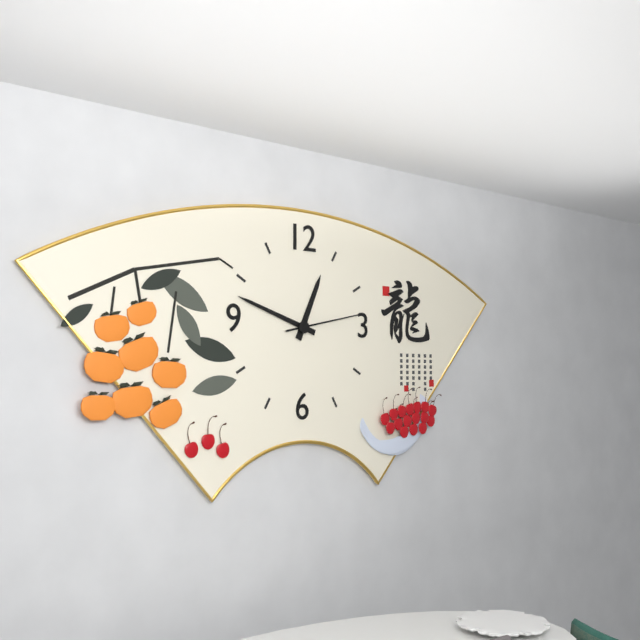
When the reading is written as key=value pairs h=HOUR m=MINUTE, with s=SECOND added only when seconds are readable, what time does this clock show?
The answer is h=12 m=48 s=13
